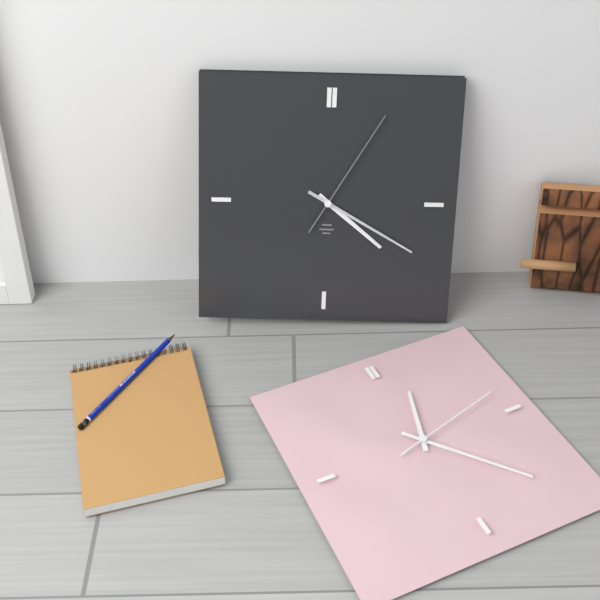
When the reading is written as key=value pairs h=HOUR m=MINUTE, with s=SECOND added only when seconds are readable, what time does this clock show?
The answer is h=4 m=20 s=5
